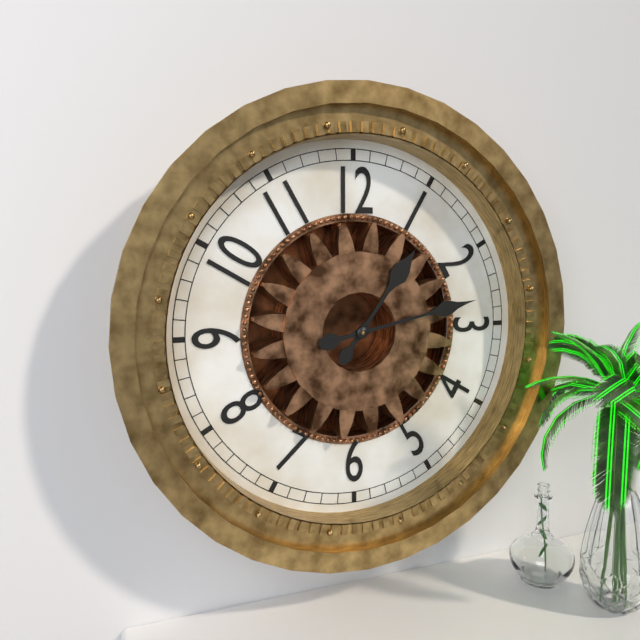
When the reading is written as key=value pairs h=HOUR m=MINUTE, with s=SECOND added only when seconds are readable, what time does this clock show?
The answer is h=1 m=13
